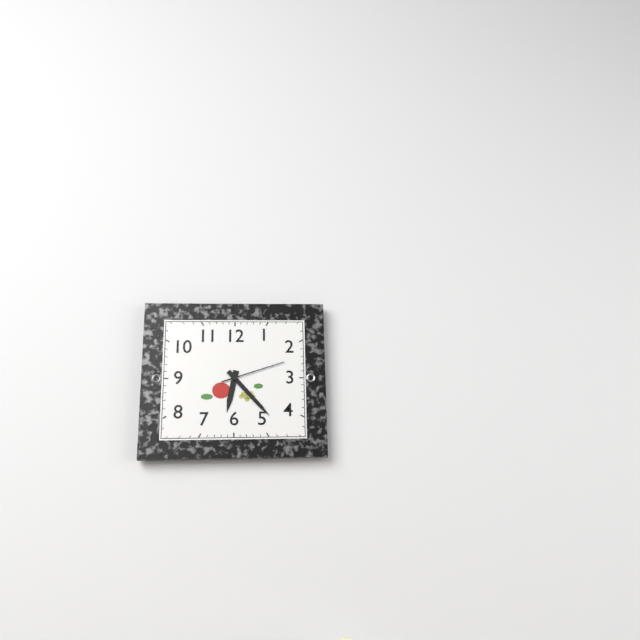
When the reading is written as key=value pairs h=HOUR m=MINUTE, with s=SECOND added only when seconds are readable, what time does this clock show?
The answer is h=6 m=23 s=12
